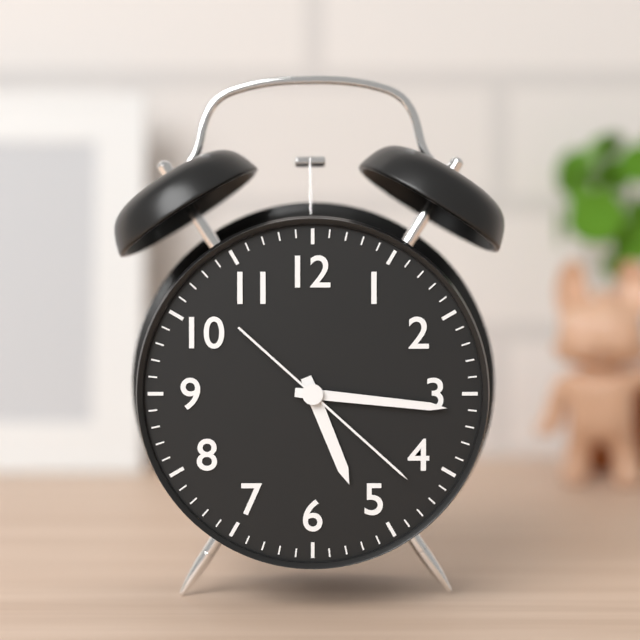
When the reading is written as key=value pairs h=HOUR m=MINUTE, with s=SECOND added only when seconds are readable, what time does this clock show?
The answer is h=5 m=16 s=22
